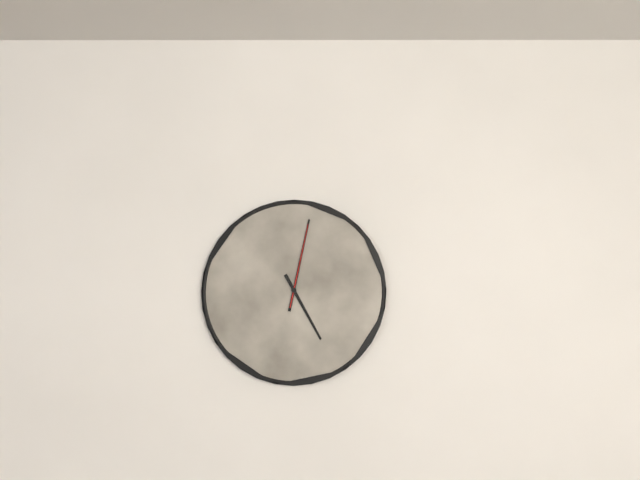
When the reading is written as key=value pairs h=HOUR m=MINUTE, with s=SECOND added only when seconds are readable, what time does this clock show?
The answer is h=5 m=2 s=2
